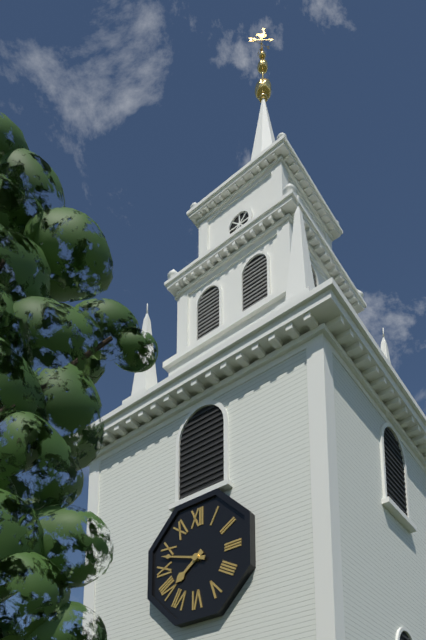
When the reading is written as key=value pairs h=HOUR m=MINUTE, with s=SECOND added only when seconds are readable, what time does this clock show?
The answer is h=7 m=48
